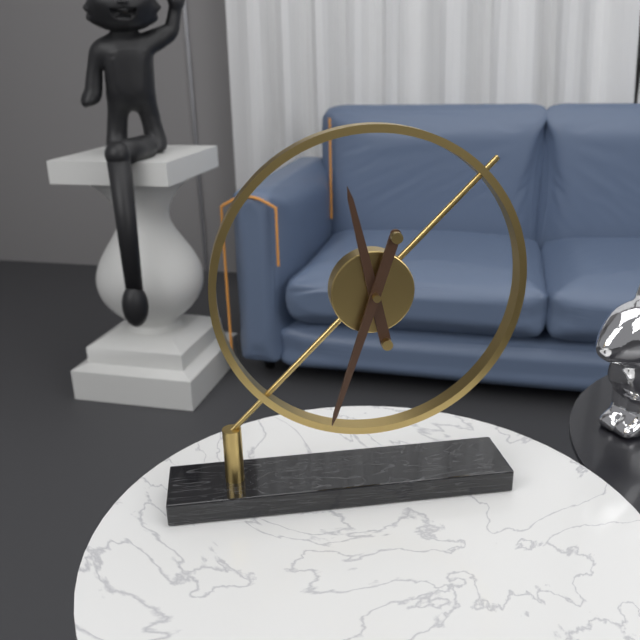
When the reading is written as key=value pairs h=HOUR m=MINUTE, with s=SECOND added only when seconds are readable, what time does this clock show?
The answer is h=11 m=33
